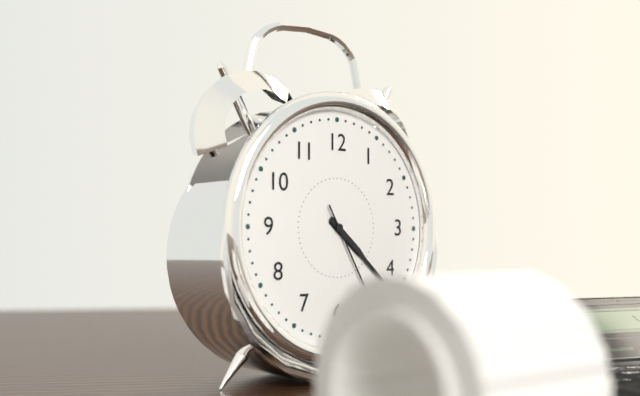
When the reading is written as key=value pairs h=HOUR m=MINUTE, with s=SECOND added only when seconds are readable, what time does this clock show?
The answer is h=4 m=22
